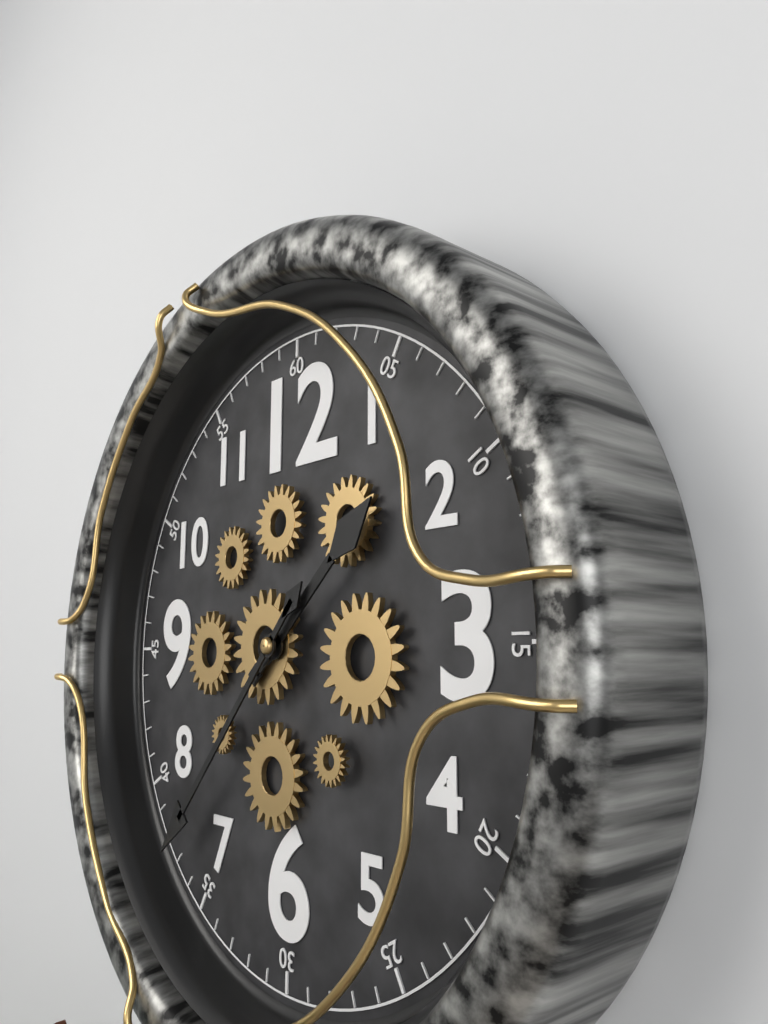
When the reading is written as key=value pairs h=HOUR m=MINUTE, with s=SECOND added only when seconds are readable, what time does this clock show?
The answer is h=1 m=37
